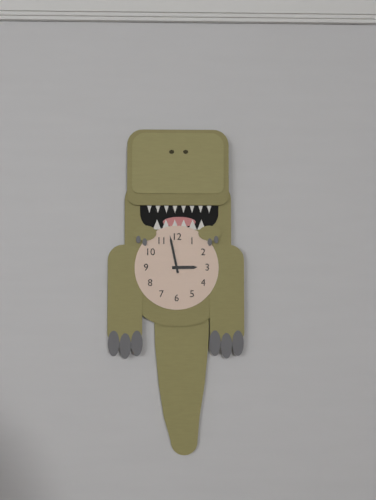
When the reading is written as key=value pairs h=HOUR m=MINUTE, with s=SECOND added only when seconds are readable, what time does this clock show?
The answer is h=2 m=58
